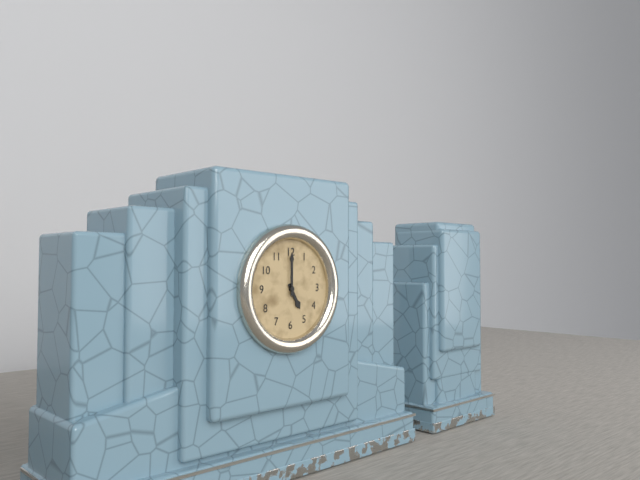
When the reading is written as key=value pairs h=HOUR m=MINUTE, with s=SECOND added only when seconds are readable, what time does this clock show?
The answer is h=5 m=0
